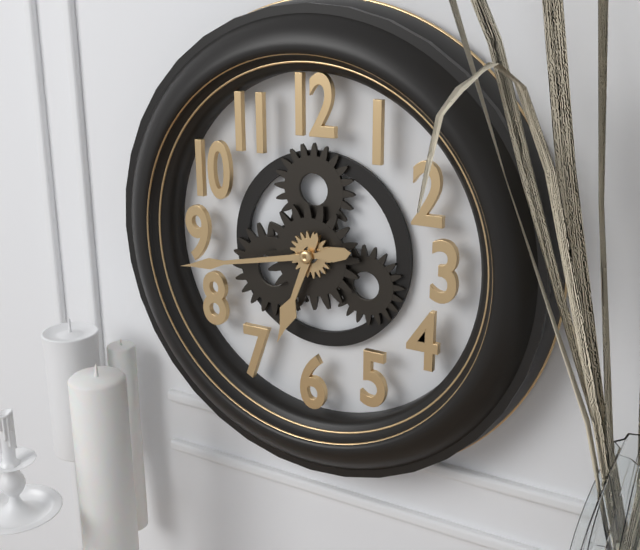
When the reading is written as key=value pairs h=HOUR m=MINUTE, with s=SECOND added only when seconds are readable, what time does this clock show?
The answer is h=6 m=43
